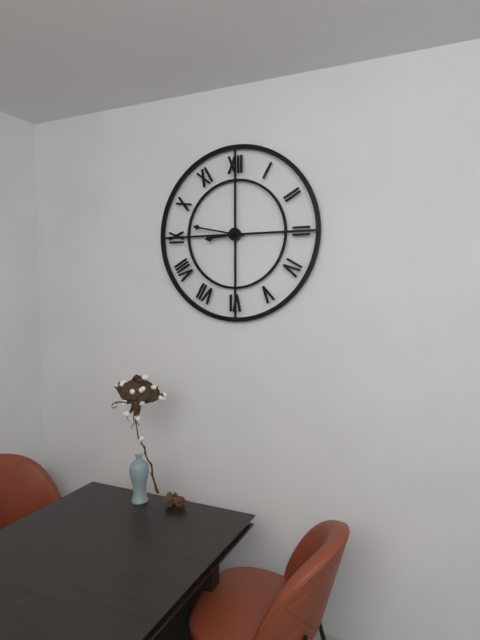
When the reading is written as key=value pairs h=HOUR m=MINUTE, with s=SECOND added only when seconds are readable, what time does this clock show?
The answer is h=8 m=47
